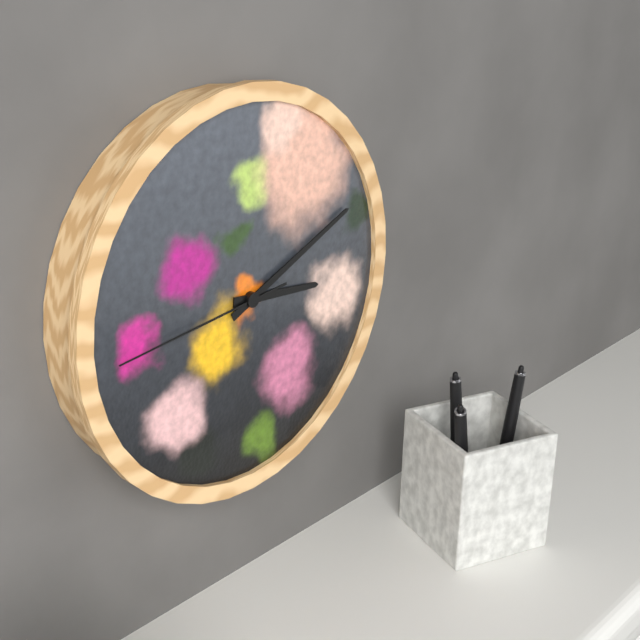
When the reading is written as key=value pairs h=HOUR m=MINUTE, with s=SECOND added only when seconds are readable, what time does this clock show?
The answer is h=3 m=11 s=44
